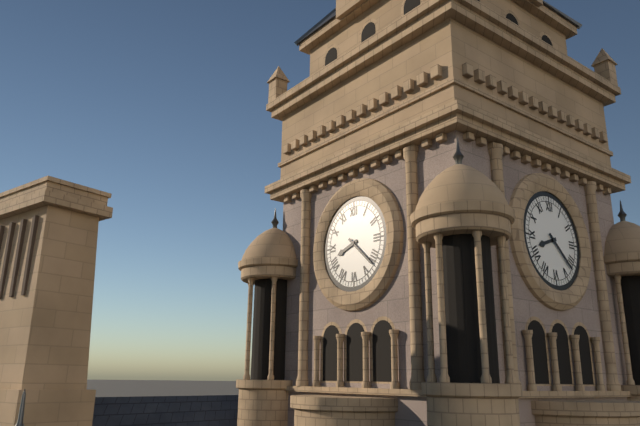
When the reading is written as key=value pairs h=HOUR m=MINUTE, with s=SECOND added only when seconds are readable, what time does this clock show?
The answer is h=8 m=22
